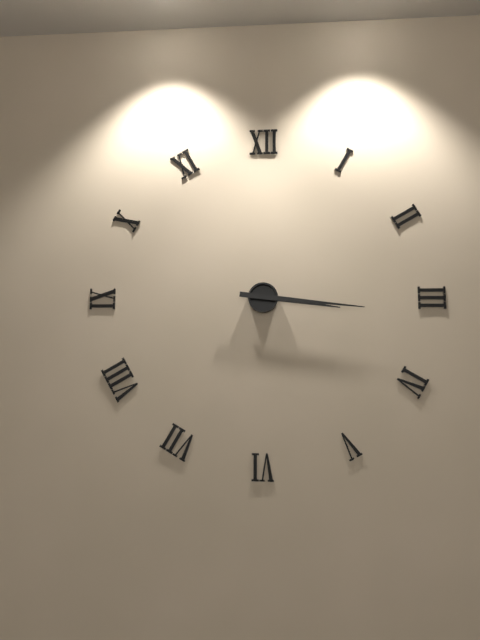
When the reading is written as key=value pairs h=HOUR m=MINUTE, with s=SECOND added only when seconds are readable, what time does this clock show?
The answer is h=3 m=16
